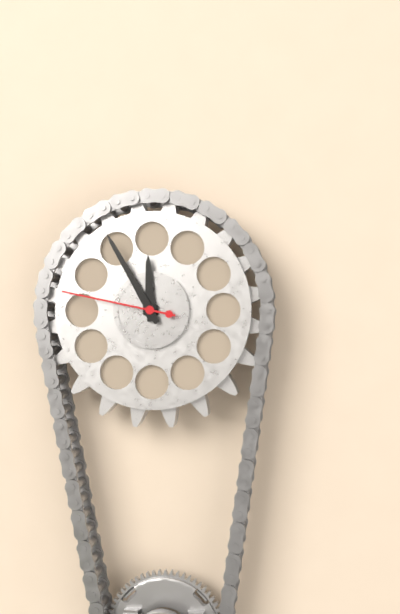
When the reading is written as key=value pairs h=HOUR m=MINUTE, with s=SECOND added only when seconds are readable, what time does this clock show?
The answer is h=11 m=55 s=47
